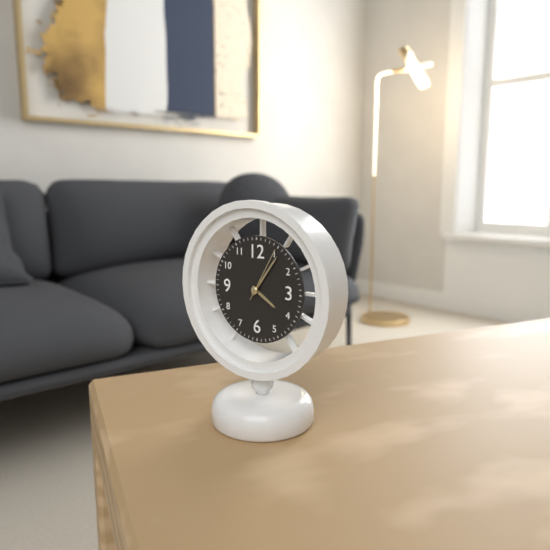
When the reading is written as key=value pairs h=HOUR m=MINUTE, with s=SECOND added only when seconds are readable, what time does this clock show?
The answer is h=4 m=6 s=5
